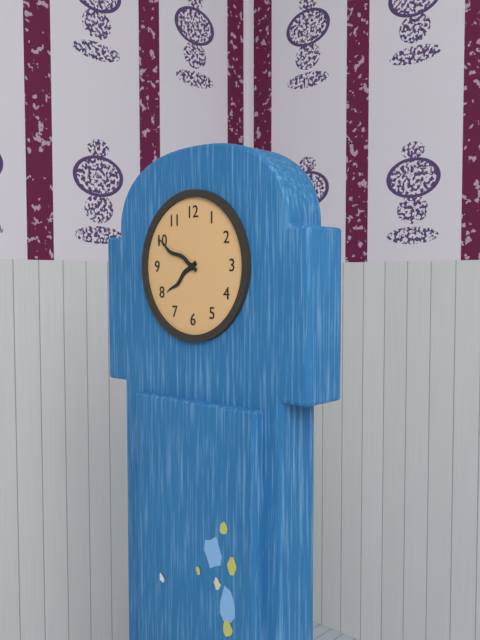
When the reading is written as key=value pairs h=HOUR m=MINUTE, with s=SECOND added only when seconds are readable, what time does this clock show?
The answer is h=7 m=50
